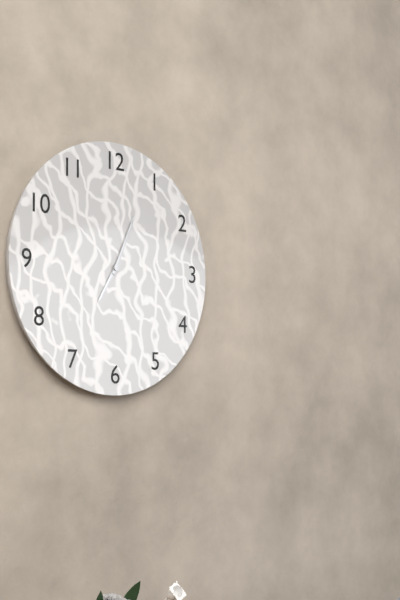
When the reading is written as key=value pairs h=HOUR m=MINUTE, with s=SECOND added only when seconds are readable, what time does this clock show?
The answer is h=7 m=4
